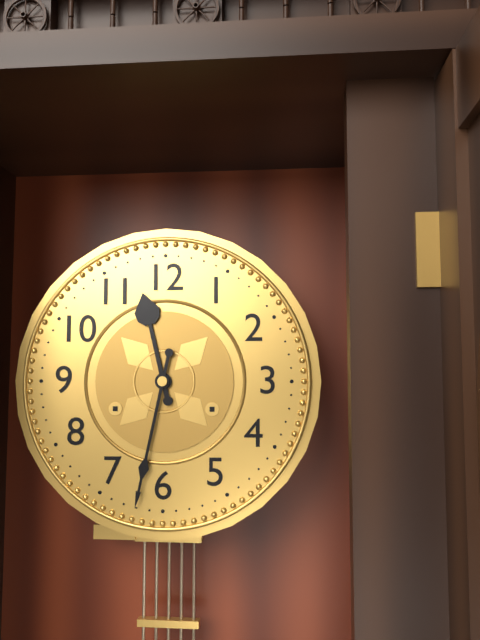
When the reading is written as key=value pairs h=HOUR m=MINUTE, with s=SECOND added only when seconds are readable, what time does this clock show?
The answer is h=11 m=32
